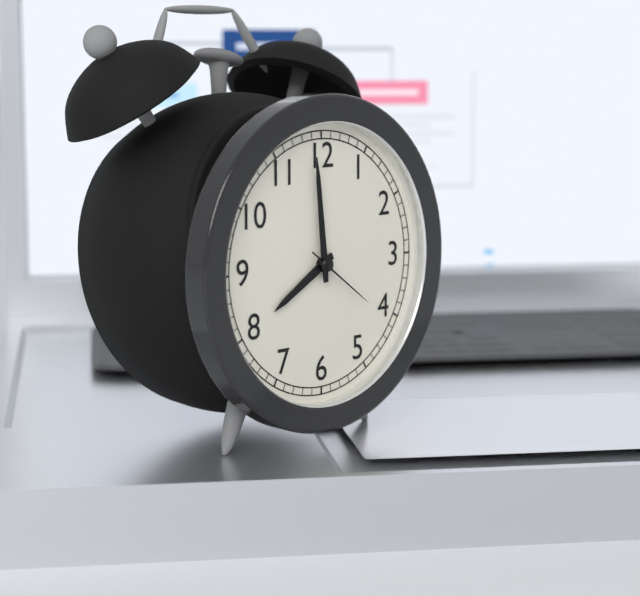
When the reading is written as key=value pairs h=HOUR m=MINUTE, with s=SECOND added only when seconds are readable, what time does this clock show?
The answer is h=7 m=59 s=21
